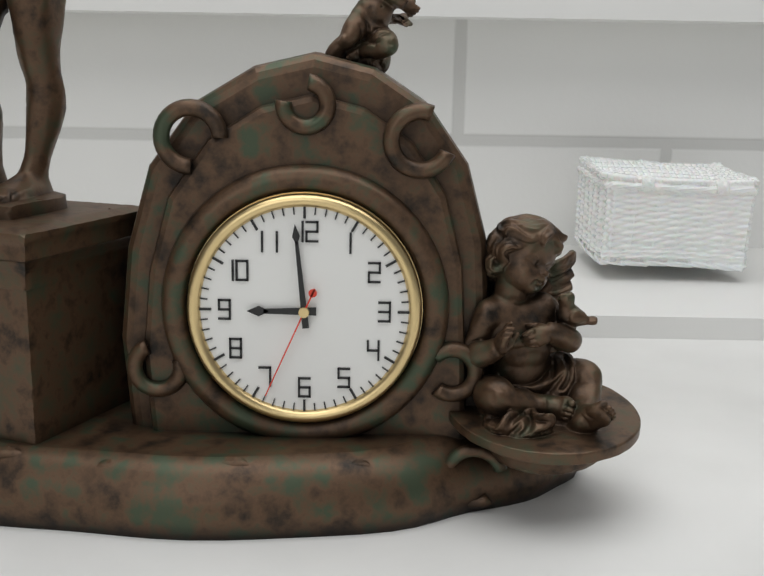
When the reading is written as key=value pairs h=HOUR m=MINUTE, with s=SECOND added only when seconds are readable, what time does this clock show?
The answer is h=8 m=59 s=34
